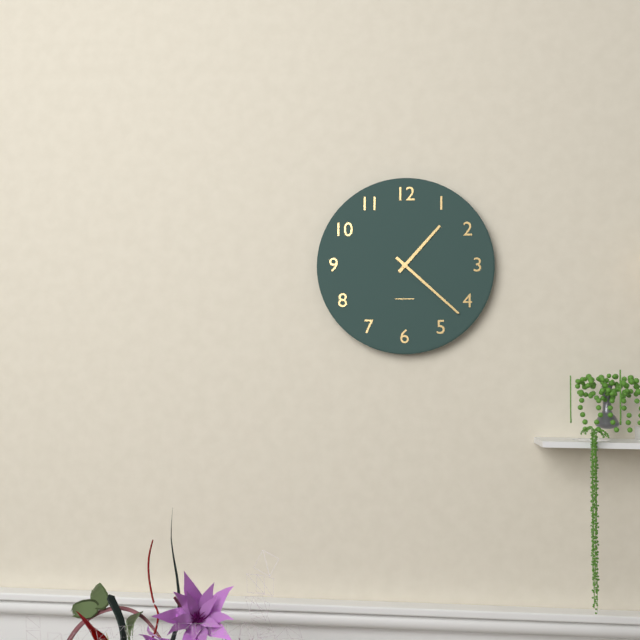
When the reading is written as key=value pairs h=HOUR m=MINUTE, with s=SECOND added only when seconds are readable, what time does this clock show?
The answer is h=1 m=22
